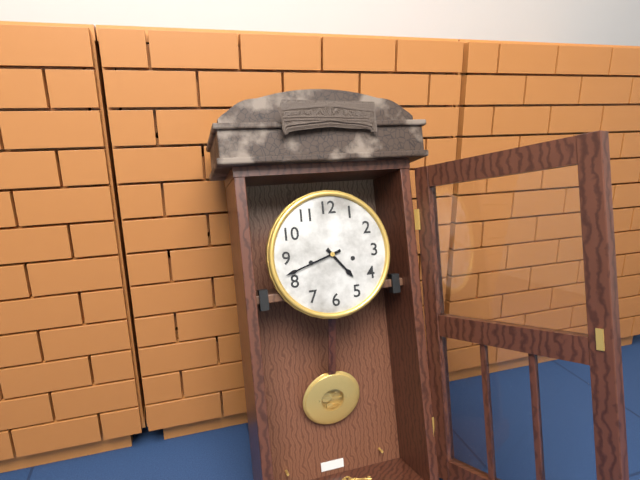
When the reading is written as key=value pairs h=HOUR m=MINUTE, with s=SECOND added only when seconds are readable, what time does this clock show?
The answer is h=4 m=42
